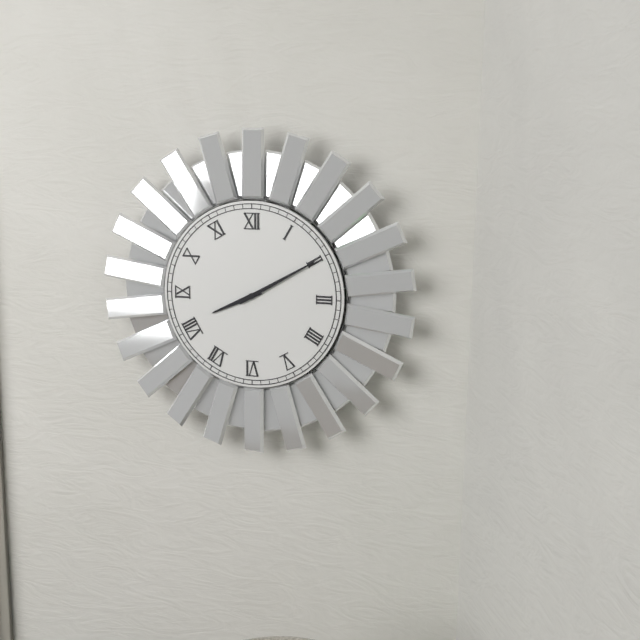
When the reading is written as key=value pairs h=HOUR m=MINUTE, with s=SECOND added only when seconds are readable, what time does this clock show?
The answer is h=8 m=10
